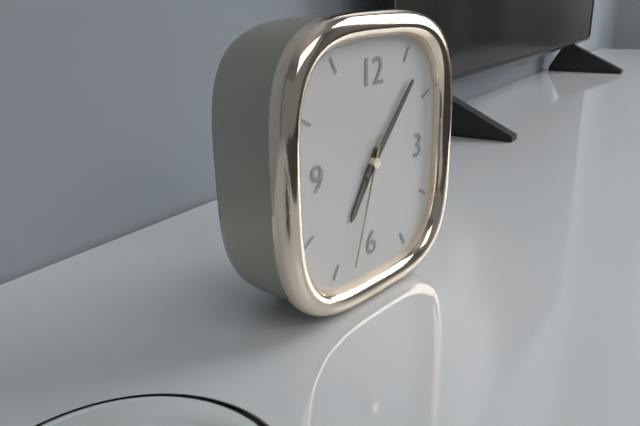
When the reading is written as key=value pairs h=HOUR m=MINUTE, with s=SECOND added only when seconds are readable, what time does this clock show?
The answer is h=7 m=7 s=33
